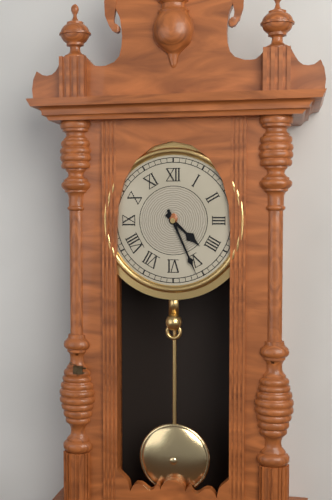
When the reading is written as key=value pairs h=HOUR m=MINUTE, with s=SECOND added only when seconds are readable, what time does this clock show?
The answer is h=4 m=26
